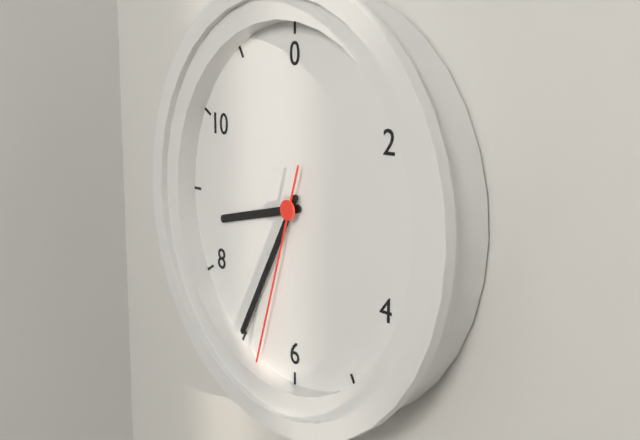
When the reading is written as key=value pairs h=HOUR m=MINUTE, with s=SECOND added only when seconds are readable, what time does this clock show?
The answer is h=8 m=35 s=33
